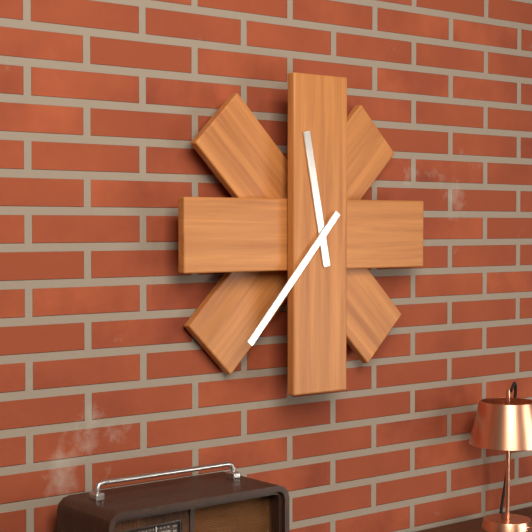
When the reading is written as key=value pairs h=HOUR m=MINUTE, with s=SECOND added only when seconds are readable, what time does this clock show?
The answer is h=11 m=37
